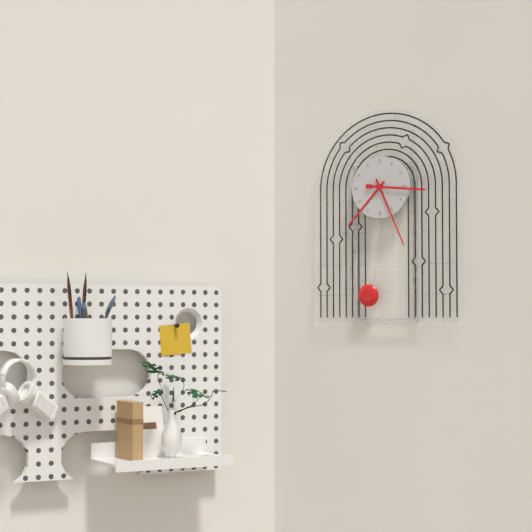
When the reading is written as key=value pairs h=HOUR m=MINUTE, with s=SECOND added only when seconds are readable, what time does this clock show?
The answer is h=7 m=26 s=16
